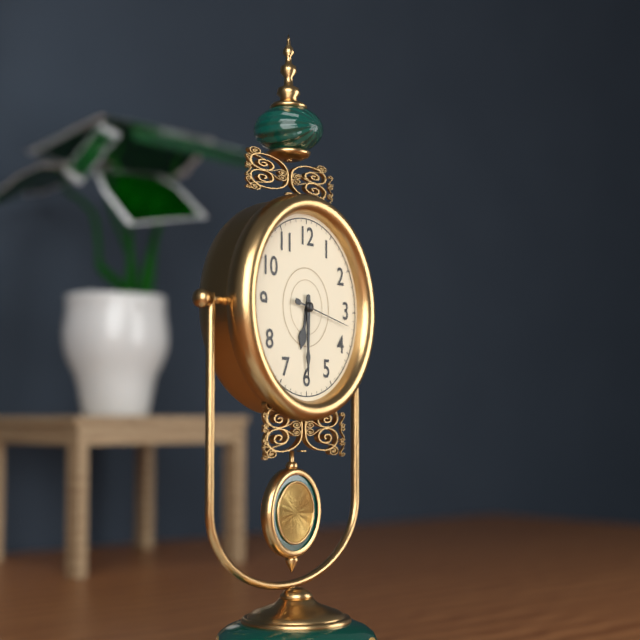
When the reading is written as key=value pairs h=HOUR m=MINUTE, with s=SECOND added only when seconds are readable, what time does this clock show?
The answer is h=6 m=30 s=17
